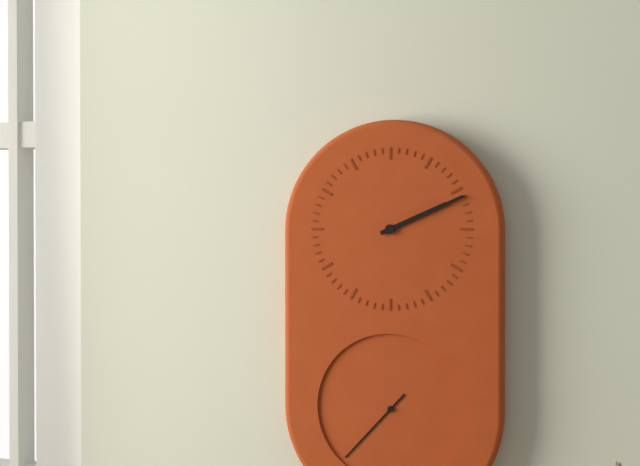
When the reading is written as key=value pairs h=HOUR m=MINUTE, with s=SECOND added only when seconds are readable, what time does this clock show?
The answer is h=2 m=11 s=37
